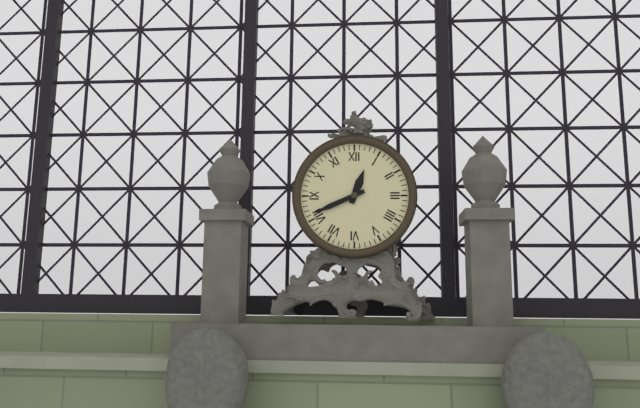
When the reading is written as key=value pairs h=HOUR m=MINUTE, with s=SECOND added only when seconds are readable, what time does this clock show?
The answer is h=12 m=41
